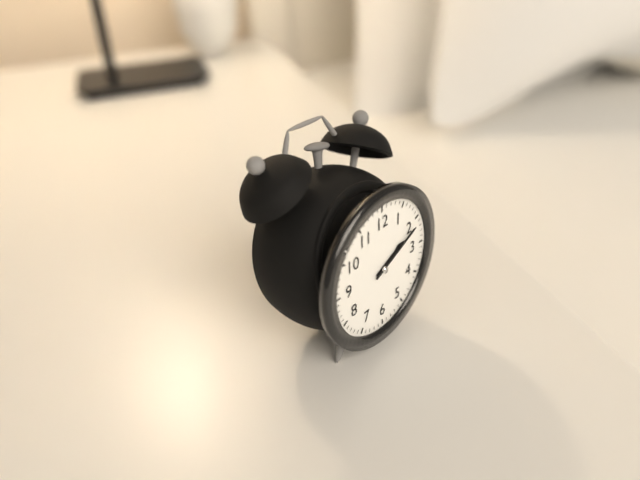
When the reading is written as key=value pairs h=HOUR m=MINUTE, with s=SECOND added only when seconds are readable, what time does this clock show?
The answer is h=2 m=11
